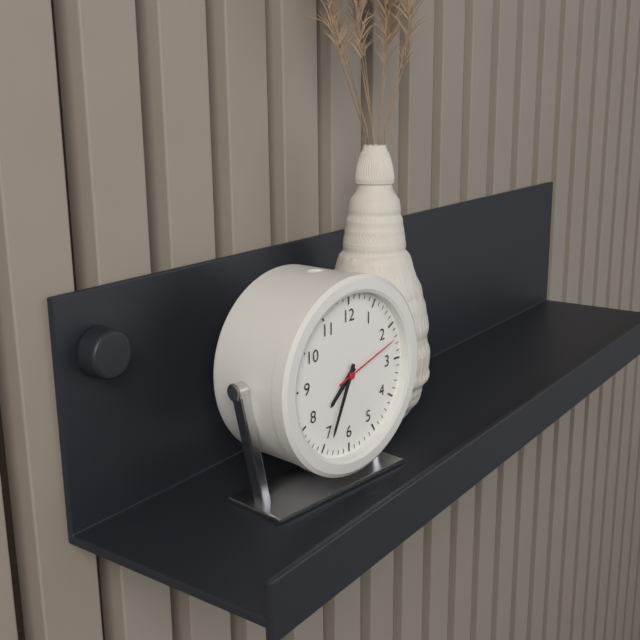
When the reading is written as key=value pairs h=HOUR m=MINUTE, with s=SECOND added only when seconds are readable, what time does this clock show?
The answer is h=7 m=34 s=12
